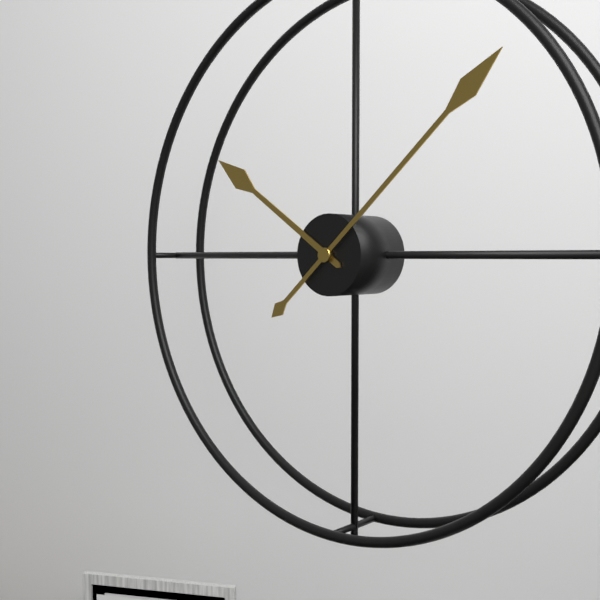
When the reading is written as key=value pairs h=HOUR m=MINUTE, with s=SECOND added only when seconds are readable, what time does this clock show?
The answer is h=10 m=8
